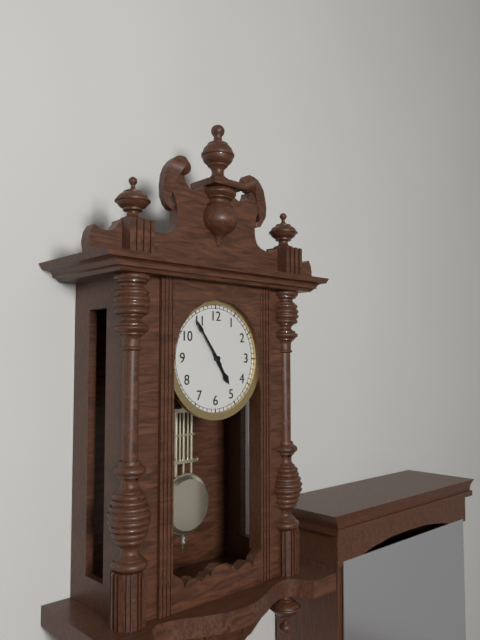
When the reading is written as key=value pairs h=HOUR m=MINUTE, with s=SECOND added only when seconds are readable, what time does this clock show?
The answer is h=4 m=54
